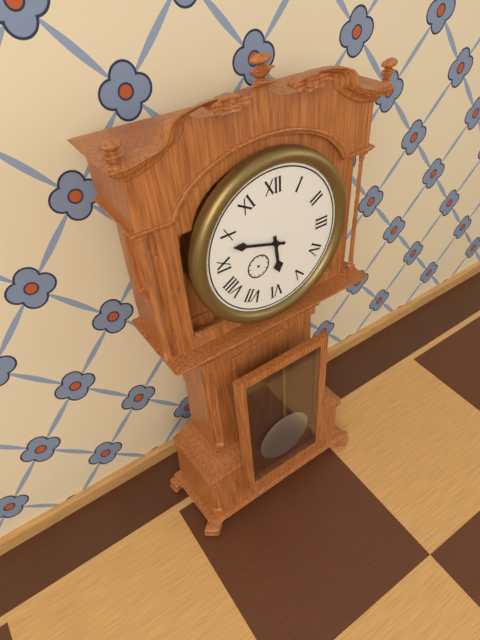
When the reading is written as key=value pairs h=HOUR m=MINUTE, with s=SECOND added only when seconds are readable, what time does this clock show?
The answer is h=5 m=48
